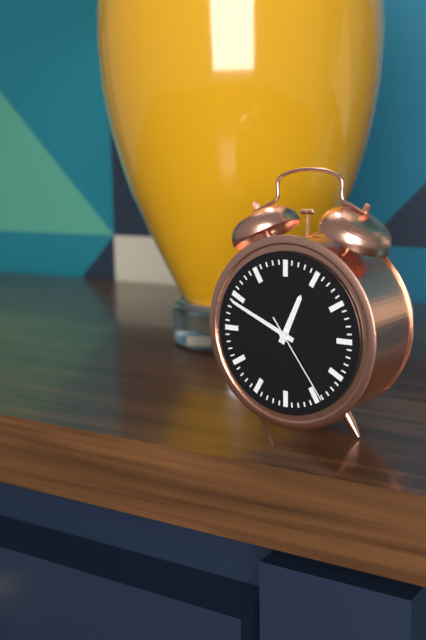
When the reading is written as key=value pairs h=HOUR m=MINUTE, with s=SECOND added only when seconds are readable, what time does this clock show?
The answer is h=12 m=49 s=24
